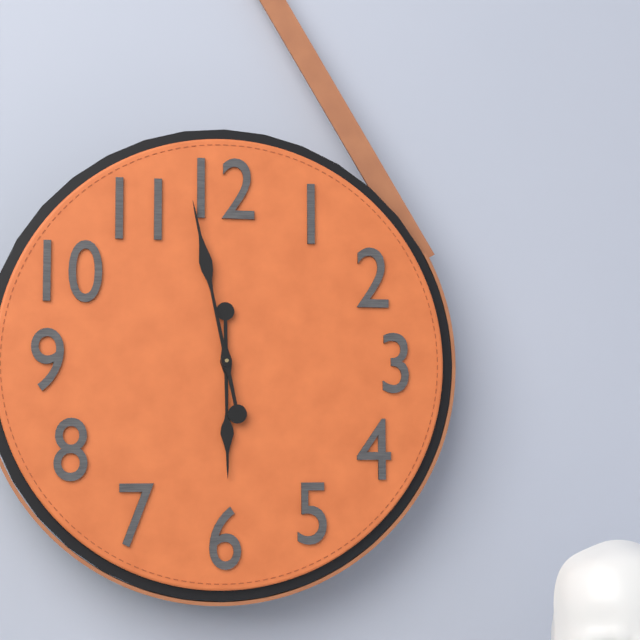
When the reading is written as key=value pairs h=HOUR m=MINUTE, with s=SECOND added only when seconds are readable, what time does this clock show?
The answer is h=5 m=58
